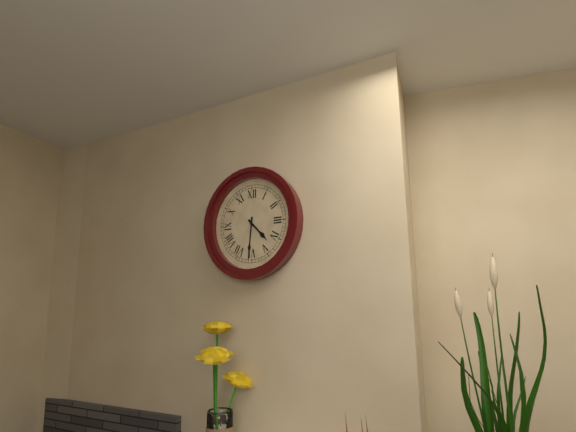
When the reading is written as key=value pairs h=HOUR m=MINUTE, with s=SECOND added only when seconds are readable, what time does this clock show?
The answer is h=4 m=31
